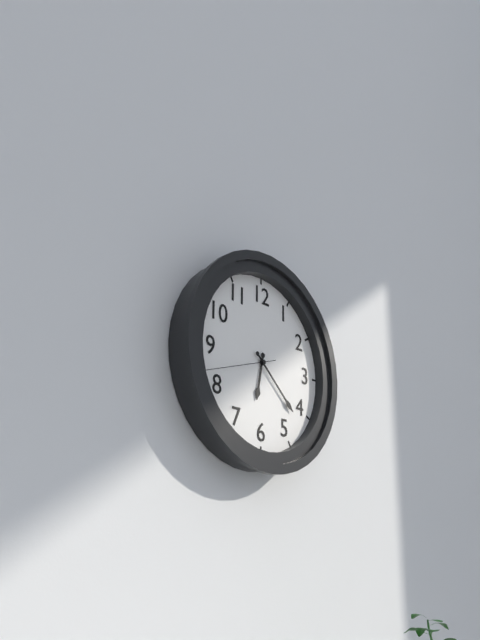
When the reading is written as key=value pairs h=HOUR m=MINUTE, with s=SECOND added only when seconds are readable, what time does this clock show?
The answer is h=6 m=22 s=42
